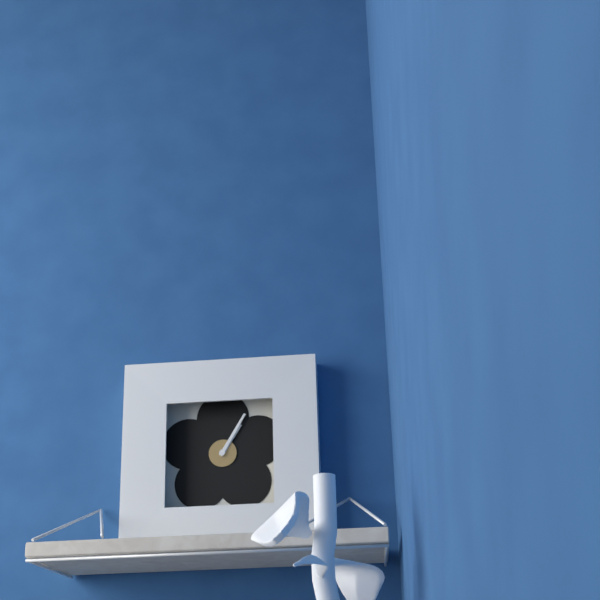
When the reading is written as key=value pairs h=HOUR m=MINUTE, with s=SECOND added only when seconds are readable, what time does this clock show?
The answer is h=1 m=5
